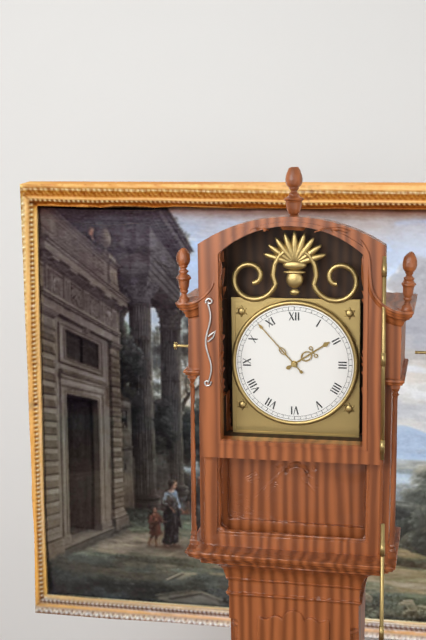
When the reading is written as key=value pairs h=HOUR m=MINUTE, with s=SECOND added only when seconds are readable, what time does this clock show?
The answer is h=1 m=53
